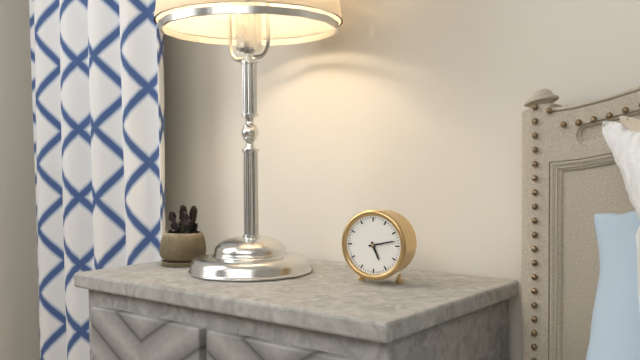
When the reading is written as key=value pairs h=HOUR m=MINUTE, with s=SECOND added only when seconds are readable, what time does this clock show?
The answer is h=5 m=13
